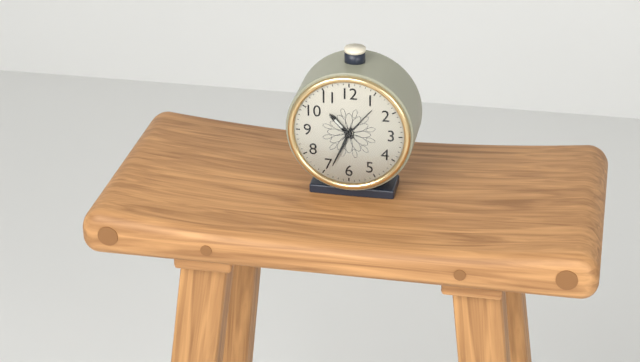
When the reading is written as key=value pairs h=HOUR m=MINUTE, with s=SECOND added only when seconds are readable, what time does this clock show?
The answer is h=10 m=34
